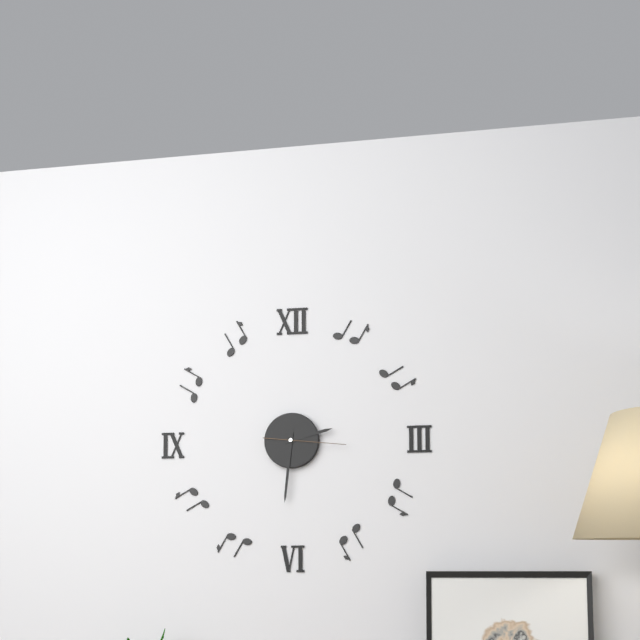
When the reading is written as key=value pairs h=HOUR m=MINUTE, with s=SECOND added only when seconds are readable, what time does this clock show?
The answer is h=2 m=31 s=16
